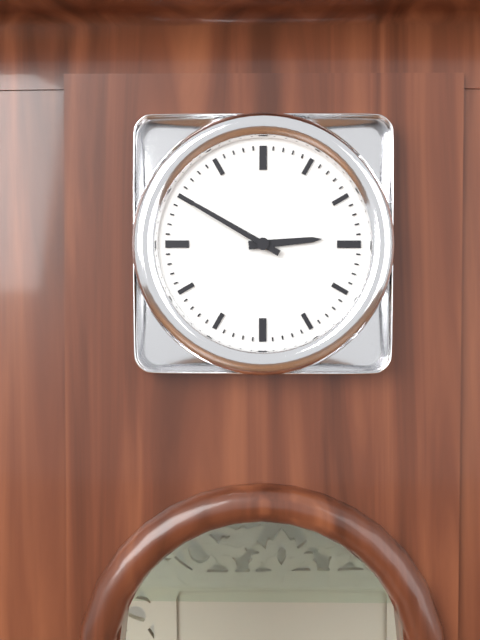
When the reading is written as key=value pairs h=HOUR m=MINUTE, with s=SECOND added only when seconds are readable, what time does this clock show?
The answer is h=2 m=50
